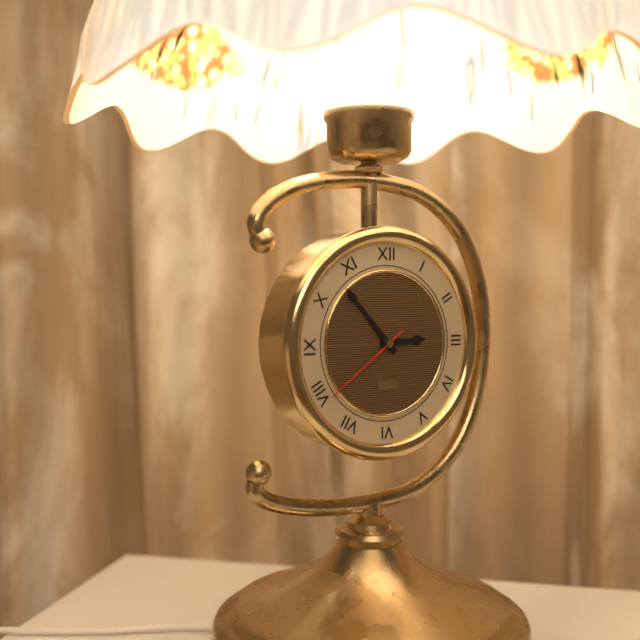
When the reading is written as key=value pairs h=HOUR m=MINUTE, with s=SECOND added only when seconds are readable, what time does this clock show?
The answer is h=2 m=53 s=39
